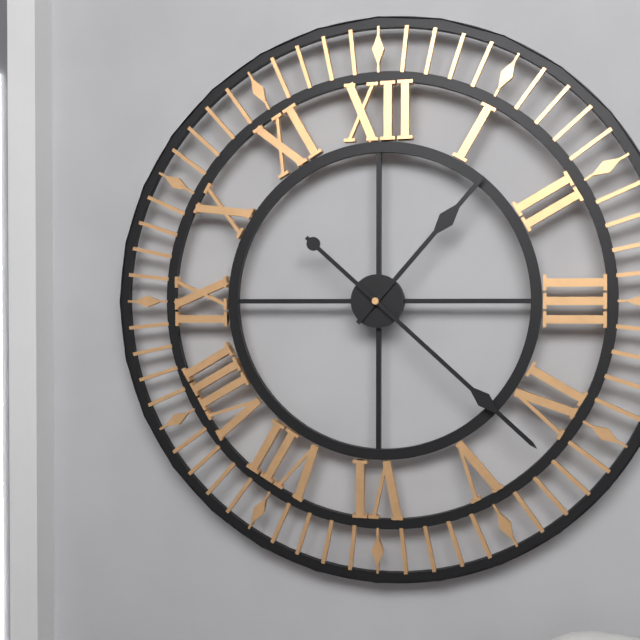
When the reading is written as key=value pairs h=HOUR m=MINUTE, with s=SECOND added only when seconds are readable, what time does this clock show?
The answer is h=1 m=22
